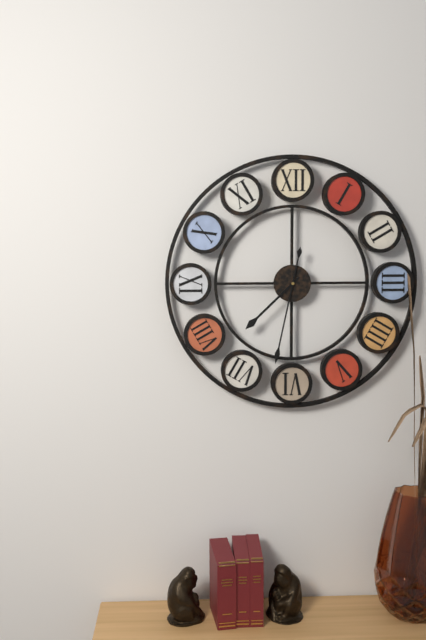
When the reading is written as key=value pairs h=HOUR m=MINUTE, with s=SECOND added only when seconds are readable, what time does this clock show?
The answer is h=7 m=32
